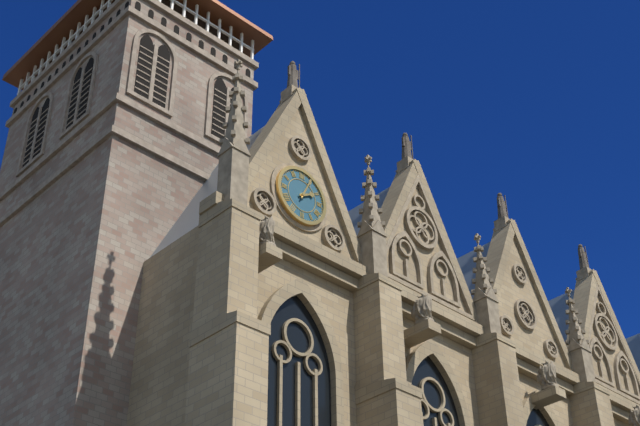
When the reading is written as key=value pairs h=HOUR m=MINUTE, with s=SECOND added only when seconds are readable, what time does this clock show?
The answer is h=2 m=4
